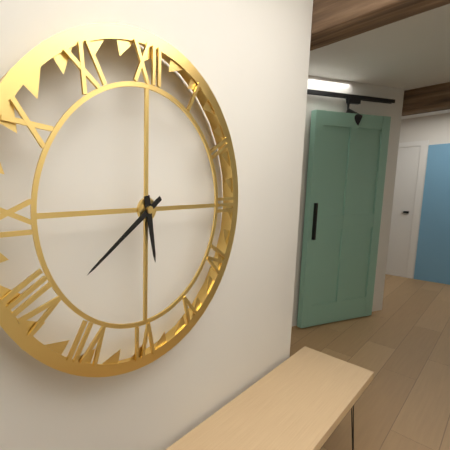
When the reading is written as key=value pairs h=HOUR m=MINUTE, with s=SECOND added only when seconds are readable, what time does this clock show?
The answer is h=5 m=39
